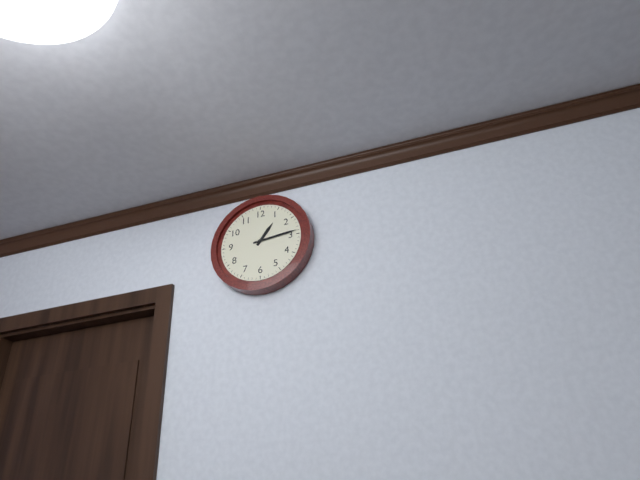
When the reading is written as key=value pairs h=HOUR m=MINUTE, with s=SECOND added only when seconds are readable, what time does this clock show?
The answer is h=1 m=14
